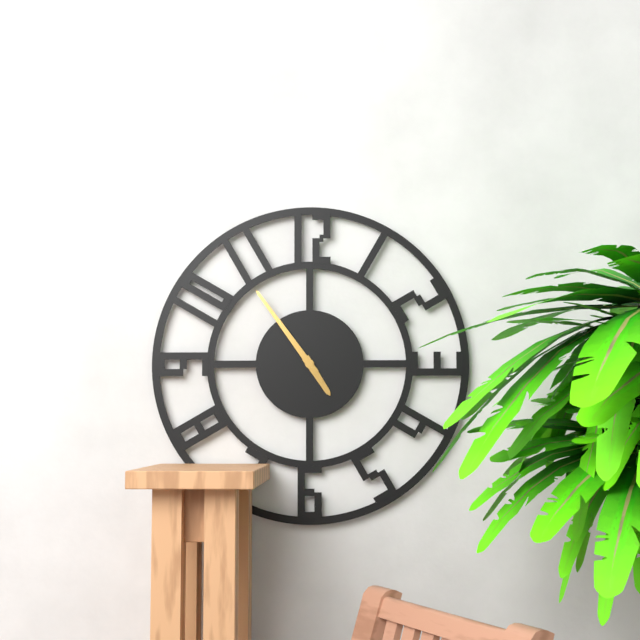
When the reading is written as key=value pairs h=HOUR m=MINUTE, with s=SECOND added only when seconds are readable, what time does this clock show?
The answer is h=4 m=54 s=54
